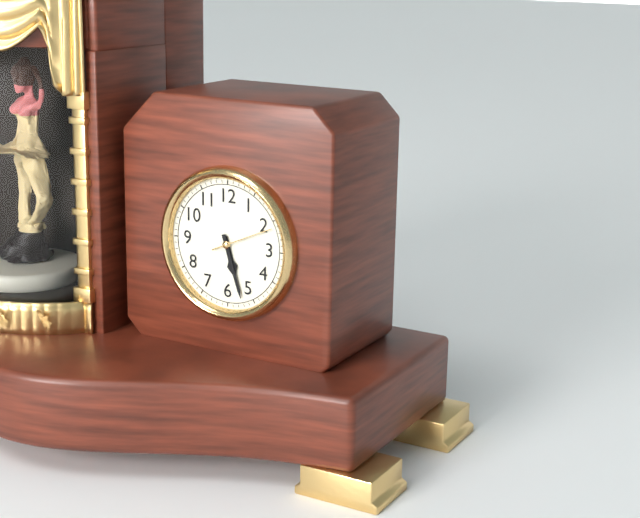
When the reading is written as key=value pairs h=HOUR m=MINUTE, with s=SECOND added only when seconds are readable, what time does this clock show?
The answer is h=5 m=27 s=11
